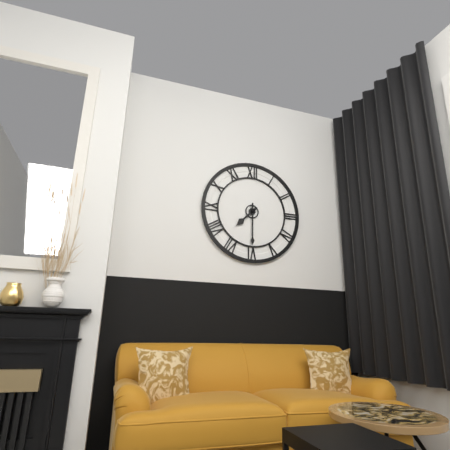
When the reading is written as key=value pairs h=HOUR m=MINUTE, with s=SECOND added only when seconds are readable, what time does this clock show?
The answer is h=7 m=30
